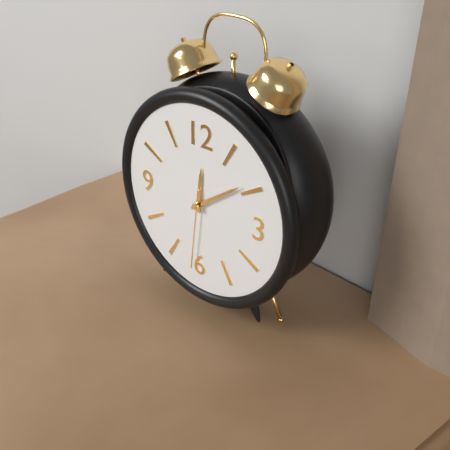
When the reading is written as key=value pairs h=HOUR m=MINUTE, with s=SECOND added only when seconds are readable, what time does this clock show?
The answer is h=12 m=9 s=31
